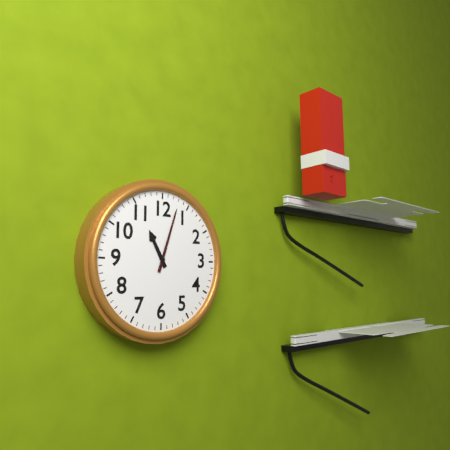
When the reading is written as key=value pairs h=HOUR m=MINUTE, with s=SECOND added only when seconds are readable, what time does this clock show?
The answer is h=11 m=3
